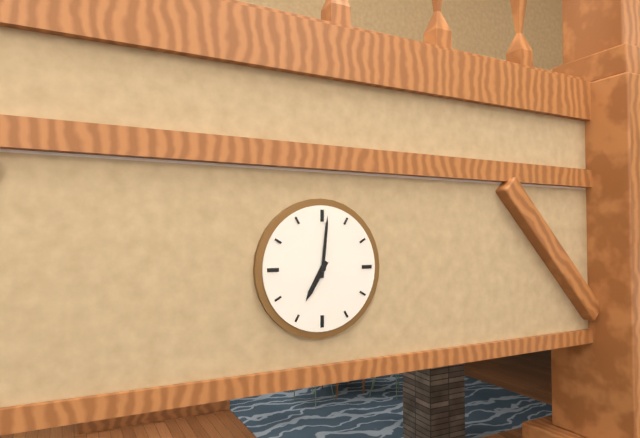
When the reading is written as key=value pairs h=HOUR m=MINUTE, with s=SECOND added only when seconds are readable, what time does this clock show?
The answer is h=7 m=1
